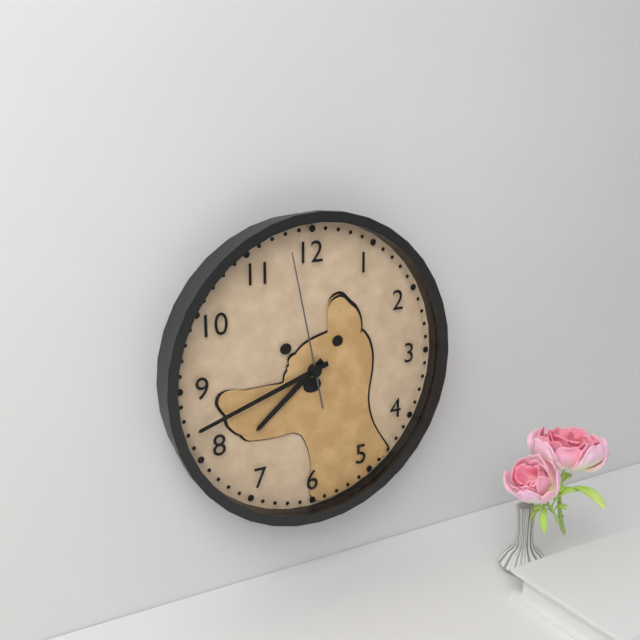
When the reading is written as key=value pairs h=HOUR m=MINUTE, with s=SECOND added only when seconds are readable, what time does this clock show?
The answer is h=7 m=42 s=58
